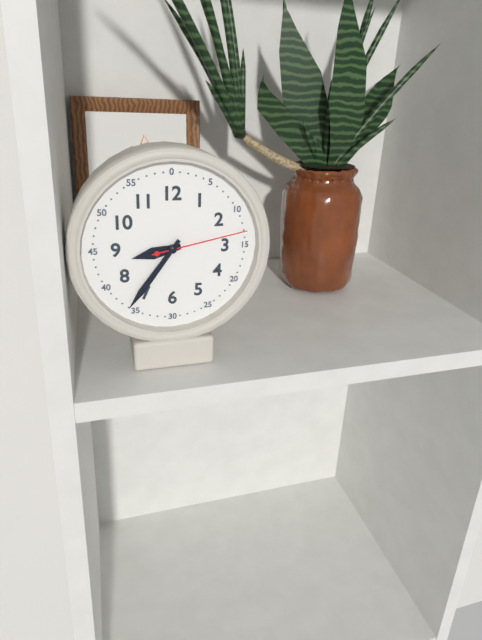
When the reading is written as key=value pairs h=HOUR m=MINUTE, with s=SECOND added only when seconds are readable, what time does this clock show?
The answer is h=8 m=36 s=13
